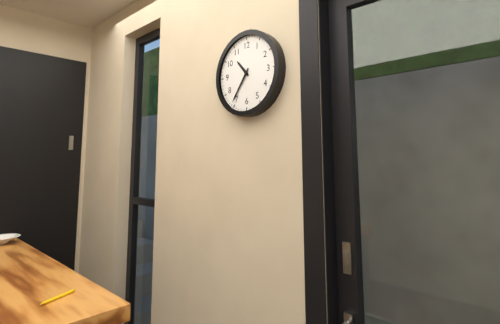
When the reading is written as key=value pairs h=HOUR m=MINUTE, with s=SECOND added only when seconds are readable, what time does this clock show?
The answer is h=10 m=36
